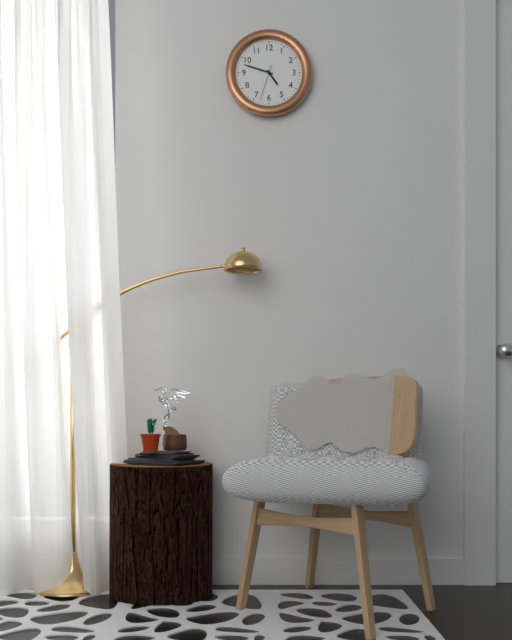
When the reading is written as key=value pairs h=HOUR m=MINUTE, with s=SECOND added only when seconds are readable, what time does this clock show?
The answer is h=4 m=48
